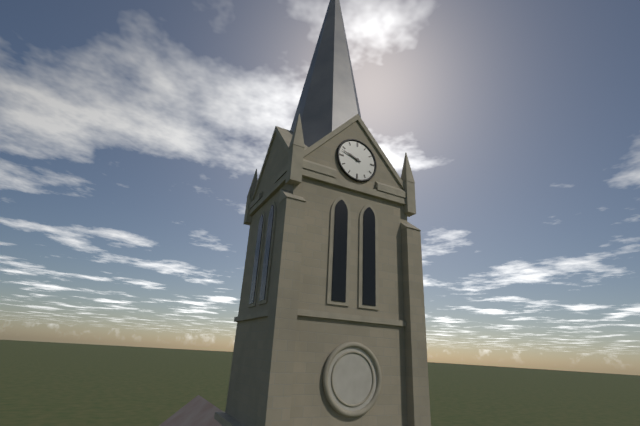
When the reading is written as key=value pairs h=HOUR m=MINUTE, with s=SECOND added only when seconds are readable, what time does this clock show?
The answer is h=9 m=48
